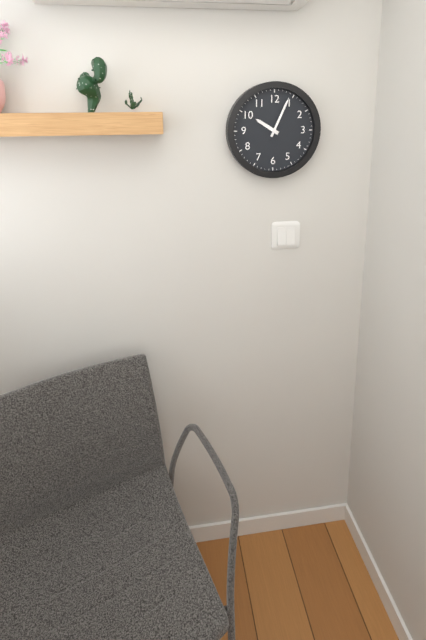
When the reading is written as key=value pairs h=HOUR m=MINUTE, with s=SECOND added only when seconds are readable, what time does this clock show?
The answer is h=10 m=4
